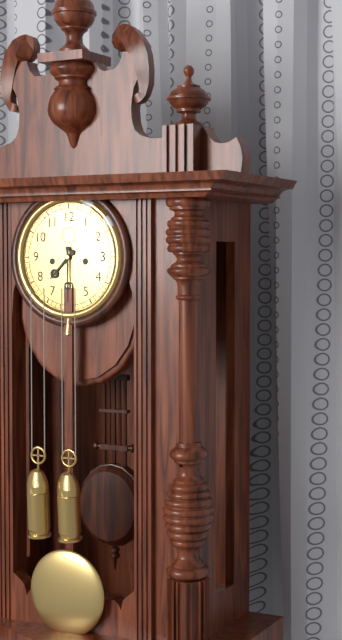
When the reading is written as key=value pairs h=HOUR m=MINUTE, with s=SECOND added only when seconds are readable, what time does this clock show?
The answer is h=7 m=30
